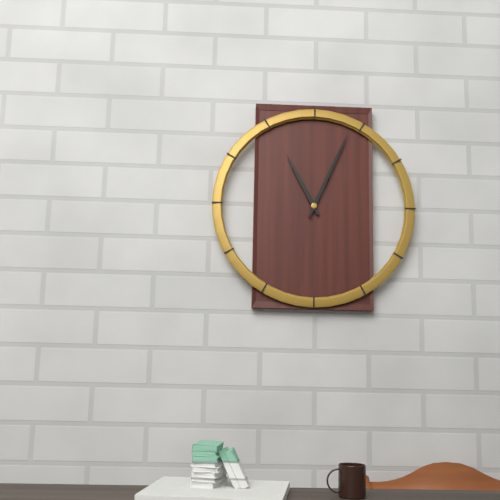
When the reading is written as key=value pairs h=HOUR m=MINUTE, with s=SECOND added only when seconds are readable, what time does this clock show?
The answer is h=11 m=4
